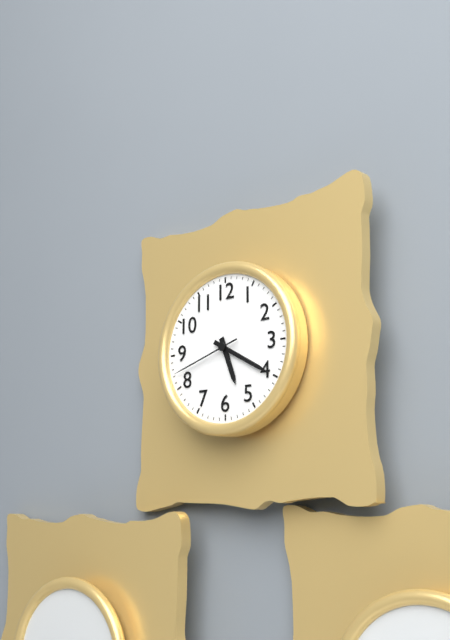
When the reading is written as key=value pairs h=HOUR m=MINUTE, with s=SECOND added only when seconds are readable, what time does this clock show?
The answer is h=5 m=20 s=42
